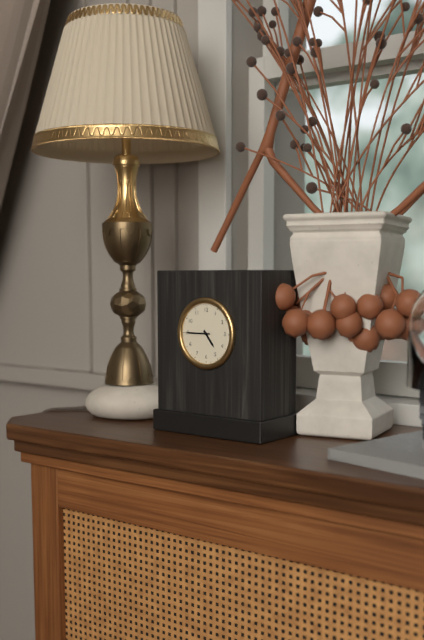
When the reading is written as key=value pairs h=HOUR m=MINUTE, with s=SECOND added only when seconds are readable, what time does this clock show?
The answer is h=4 m=45
